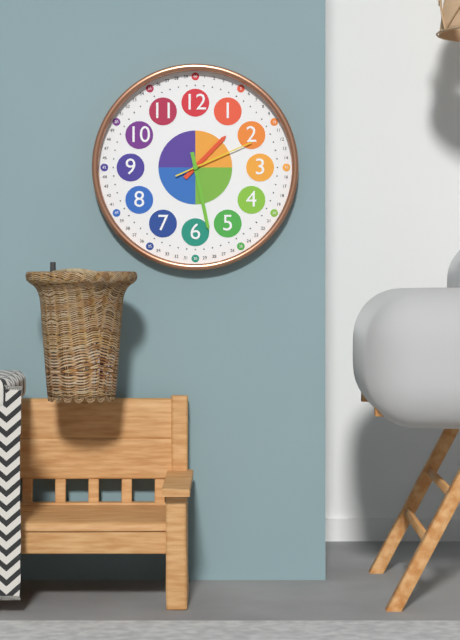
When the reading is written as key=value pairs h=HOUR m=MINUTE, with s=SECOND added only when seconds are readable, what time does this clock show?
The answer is h=1 m=28 s=11
